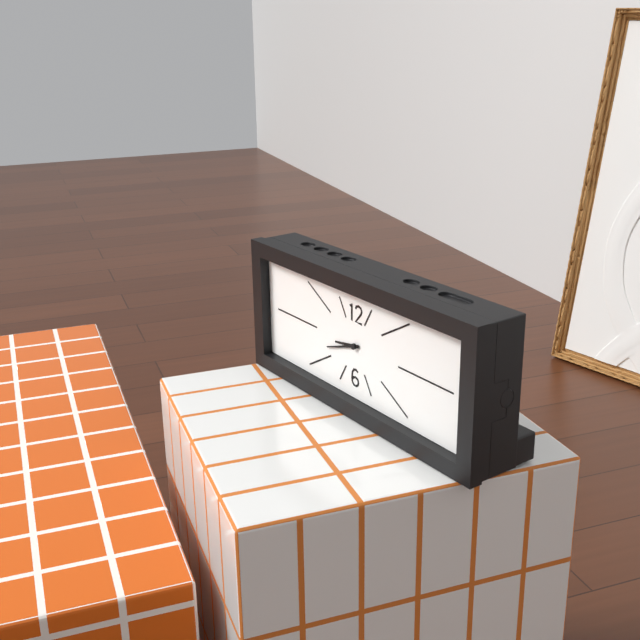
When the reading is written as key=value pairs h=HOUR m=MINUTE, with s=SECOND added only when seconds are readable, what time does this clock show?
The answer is h=8 m=42
